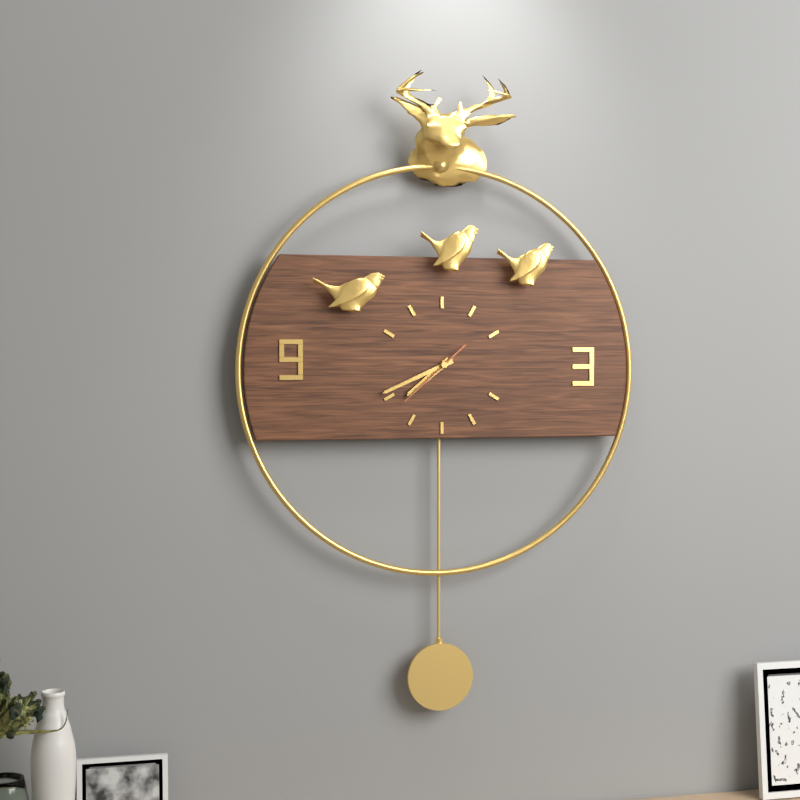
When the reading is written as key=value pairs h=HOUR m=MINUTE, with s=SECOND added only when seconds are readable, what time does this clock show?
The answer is h=7 m=41 s=38
